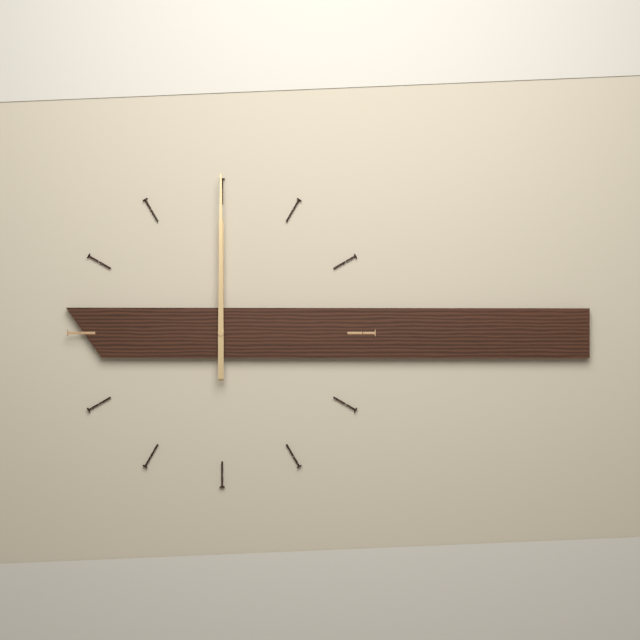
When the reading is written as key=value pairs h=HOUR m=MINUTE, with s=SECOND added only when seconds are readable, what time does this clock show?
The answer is h=12 m=0
